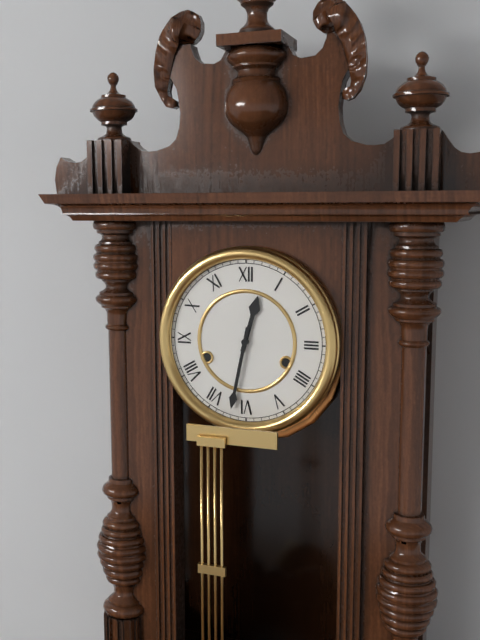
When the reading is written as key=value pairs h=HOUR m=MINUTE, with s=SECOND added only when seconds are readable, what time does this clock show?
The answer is h=12 m=32
